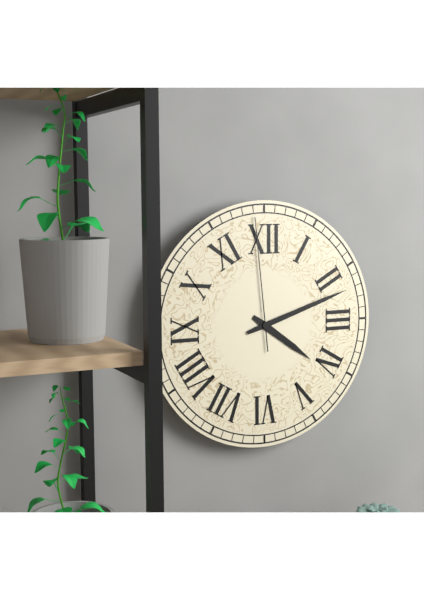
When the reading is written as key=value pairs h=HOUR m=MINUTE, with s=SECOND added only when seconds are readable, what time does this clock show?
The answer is h=4 m=12 s=59
